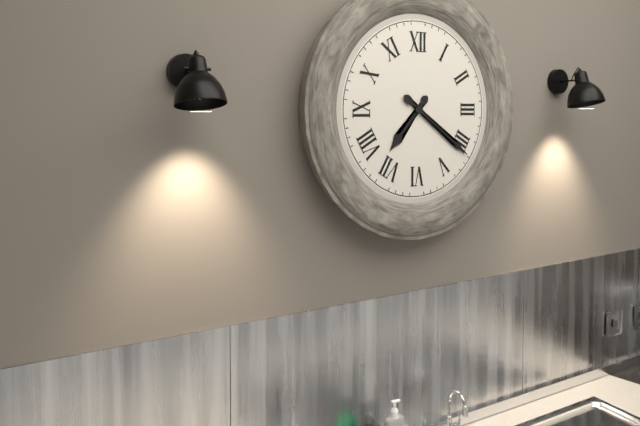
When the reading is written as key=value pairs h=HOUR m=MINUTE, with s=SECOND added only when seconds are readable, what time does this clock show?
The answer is h=7 m=21
